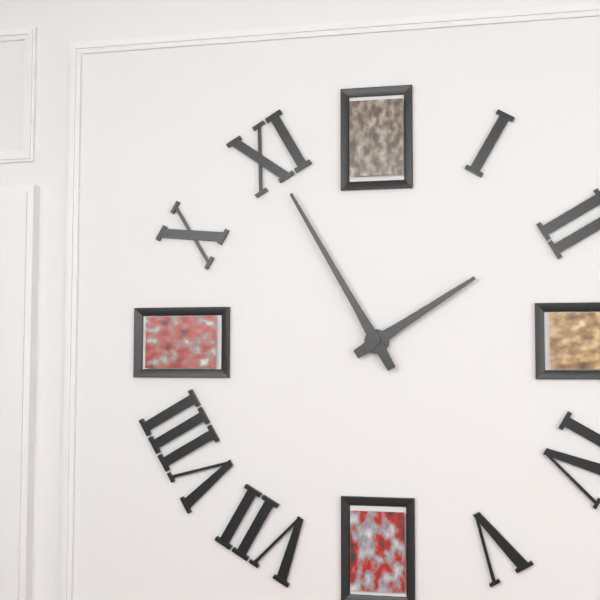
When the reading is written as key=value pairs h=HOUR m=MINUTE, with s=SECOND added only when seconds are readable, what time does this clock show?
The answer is h=1 m=55
